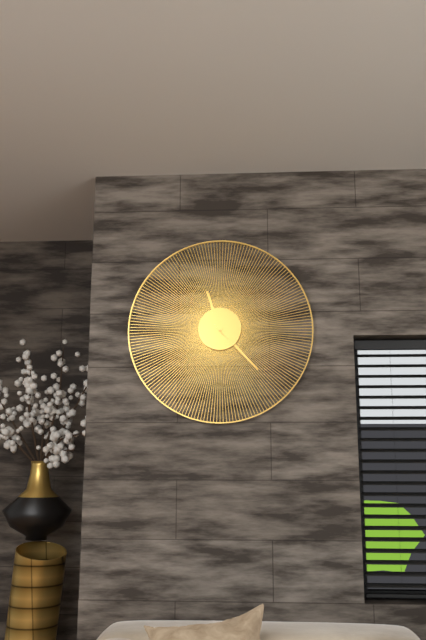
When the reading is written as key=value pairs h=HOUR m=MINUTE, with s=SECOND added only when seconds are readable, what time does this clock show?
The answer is h=11 m=23
